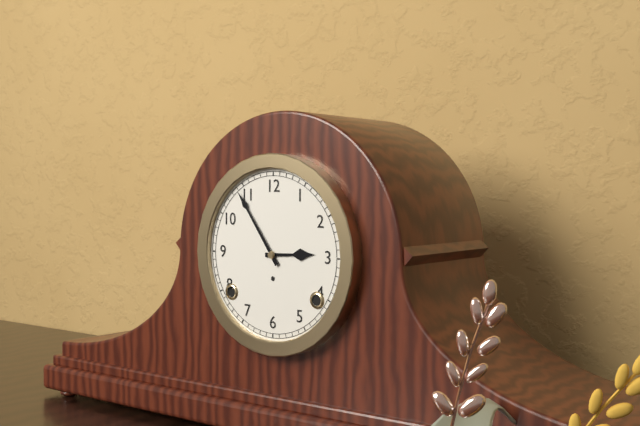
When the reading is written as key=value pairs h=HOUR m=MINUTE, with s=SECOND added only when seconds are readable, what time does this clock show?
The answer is h=2 m=54
